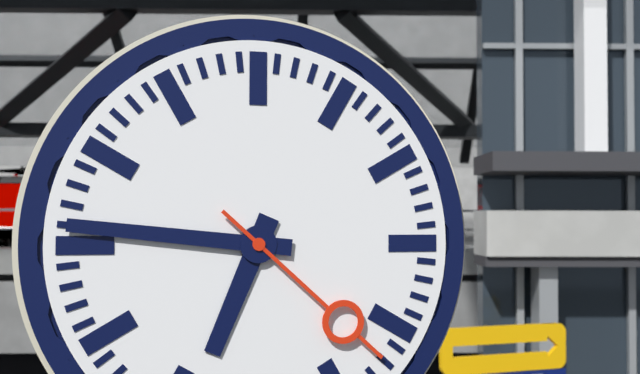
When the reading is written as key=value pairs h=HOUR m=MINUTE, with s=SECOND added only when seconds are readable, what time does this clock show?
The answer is h=6 m=46 s=22
